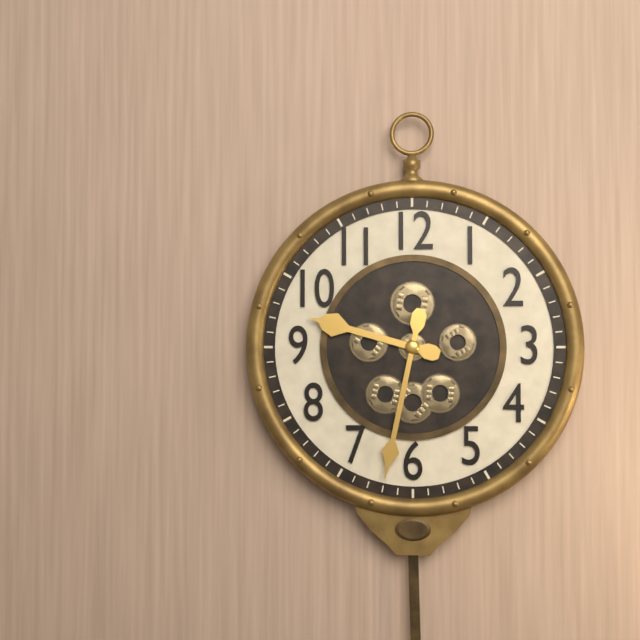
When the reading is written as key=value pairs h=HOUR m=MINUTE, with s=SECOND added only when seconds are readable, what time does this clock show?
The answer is h=9 m=32
